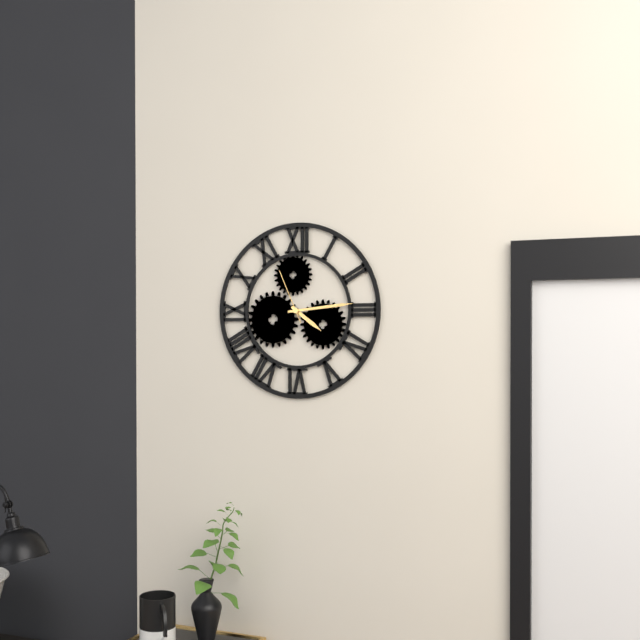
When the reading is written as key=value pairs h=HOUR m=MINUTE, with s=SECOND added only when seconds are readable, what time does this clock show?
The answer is h=4 m=14 s=56
